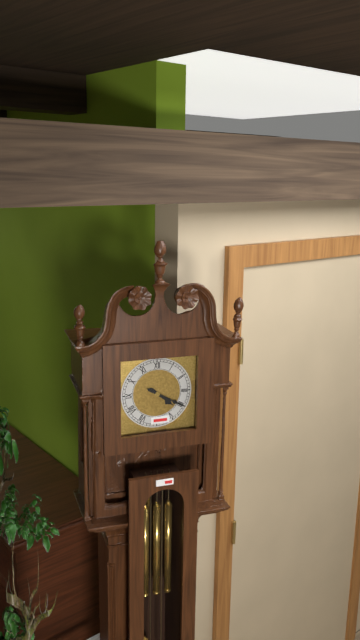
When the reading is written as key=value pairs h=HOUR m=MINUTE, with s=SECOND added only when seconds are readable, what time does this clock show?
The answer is h=4 m=20
